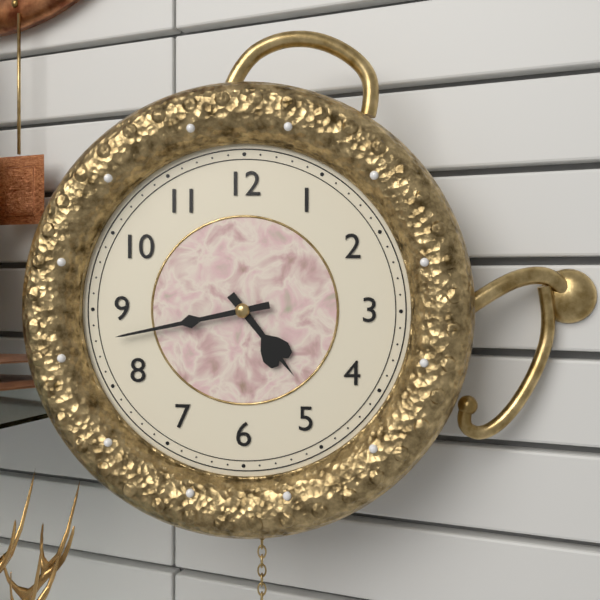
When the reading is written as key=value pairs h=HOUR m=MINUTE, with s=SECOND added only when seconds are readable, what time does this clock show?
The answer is h=4 m=43
